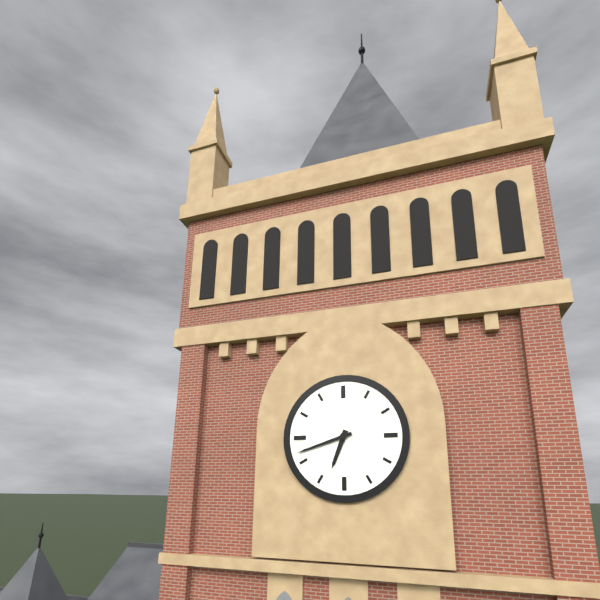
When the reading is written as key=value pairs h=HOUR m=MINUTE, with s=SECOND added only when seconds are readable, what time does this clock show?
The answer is h=6 m=42
